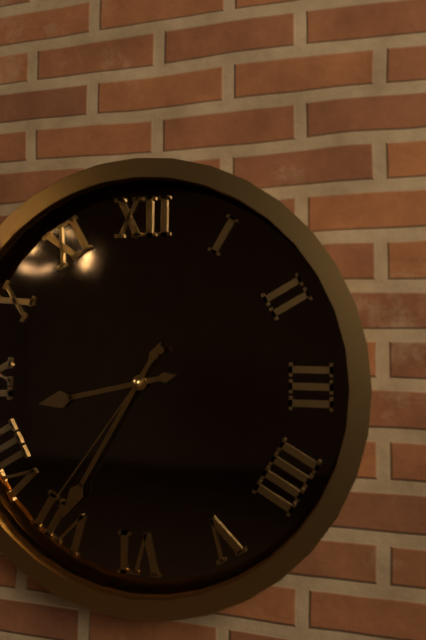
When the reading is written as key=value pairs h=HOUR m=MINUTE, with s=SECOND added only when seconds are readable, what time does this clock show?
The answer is h=8 m=35 s=36
